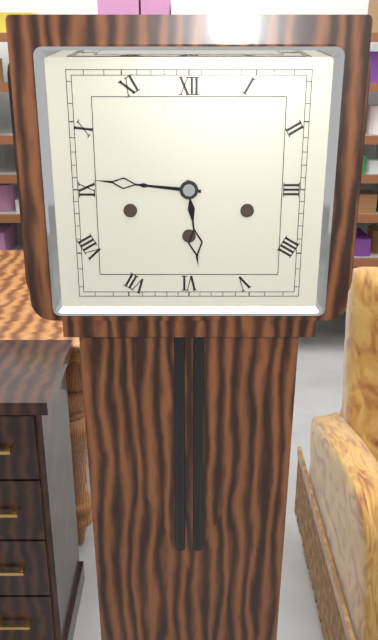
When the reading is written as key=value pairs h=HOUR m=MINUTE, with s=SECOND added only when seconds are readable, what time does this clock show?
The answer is h=5 m=46
